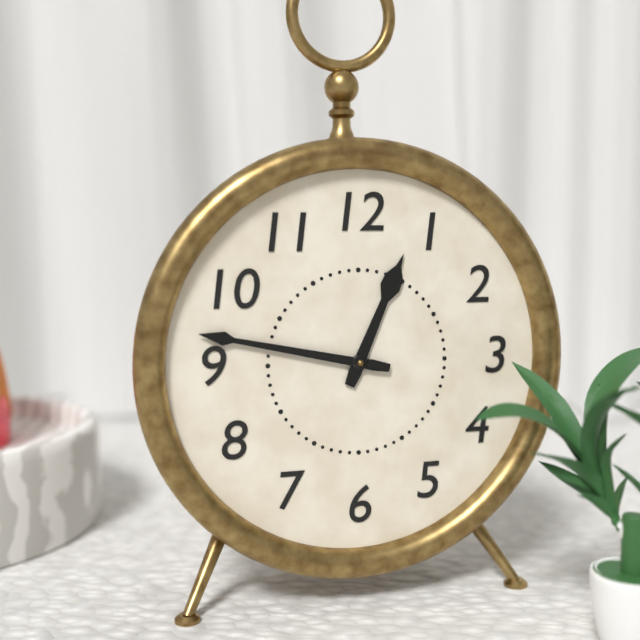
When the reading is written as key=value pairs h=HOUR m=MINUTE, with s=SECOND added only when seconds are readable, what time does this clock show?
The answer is h=12 m=47
